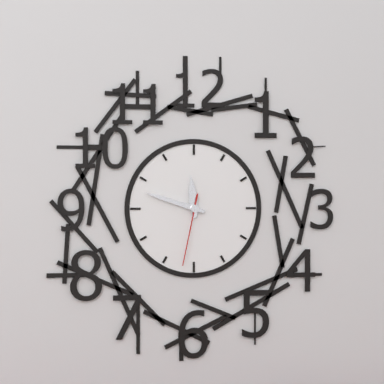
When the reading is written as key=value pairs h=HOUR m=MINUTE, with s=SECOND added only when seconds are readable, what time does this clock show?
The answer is h=11 m=48 s=32
